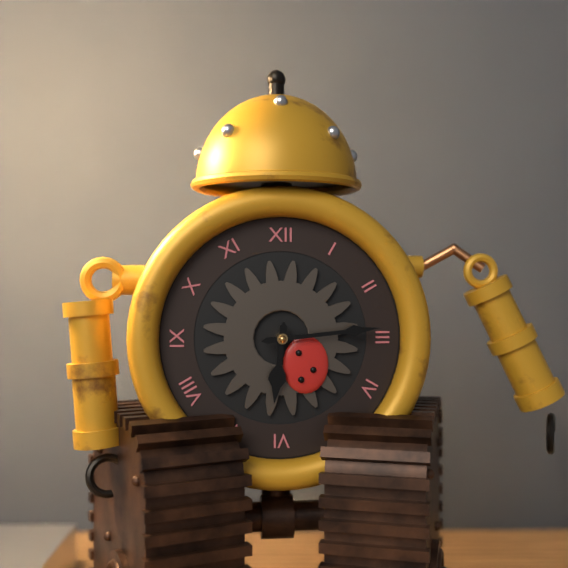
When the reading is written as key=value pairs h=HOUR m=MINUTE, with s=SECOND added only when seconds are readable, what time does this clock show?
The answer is h=6 m=14
